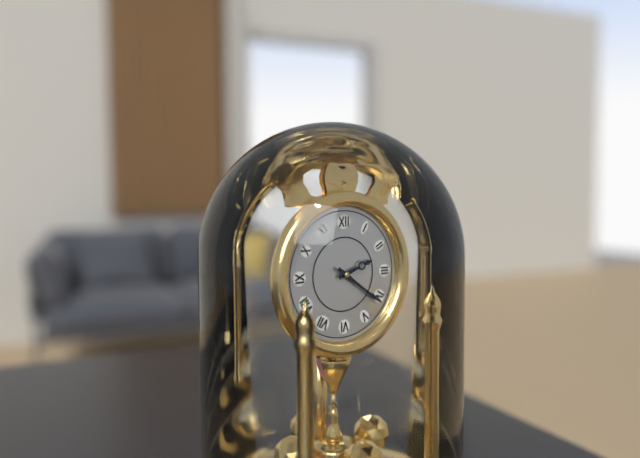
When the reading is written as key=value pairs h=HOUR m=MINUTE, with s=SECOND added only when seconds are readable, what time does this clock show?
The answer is h=2 m=21
